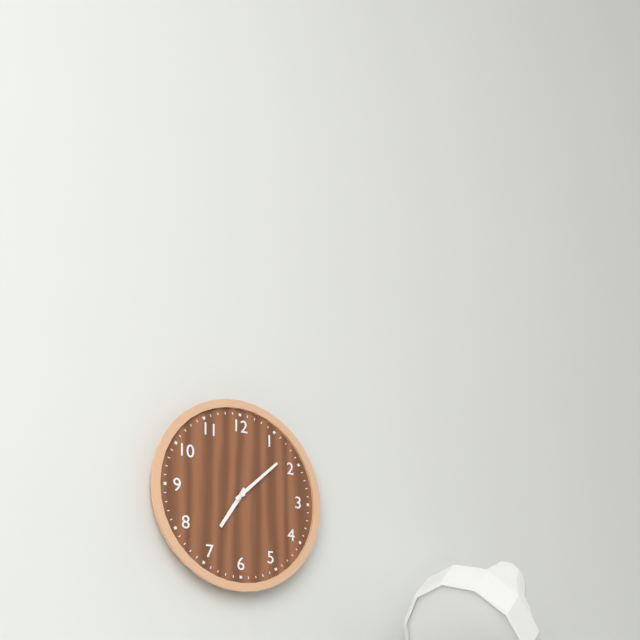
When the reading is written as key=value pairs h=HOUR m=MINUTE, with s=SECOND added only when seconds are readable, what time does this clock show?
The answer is h=7 m=8
